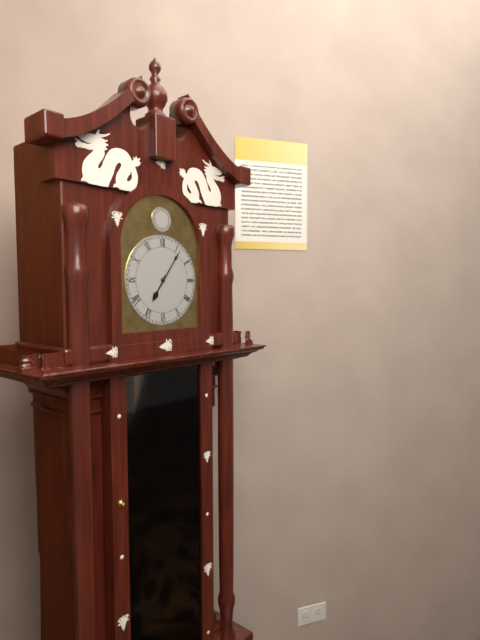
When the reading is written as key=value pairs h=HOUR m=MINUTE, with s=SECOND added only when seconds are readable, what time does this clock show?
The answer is h=7 m=6
